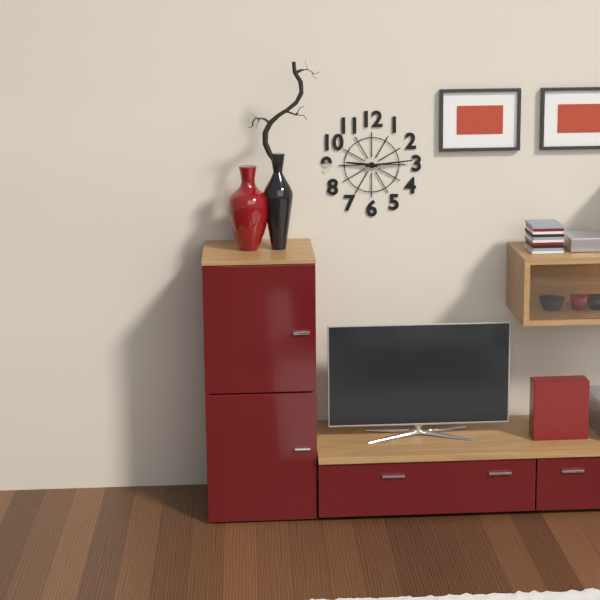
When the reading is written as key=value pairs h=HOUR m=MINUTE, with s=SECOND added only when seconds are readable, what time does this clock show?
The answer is h=9 m=14
